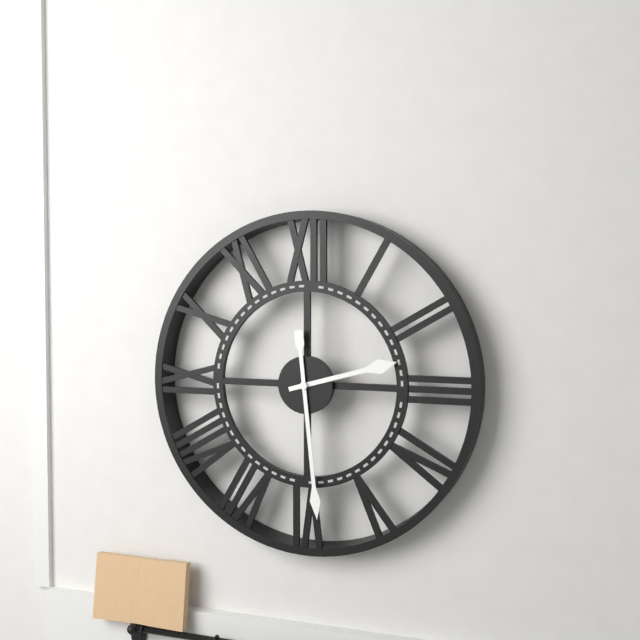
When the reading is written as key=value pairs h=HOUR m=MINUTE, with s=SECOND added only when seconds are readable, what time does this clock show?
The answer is h=2 m=29
